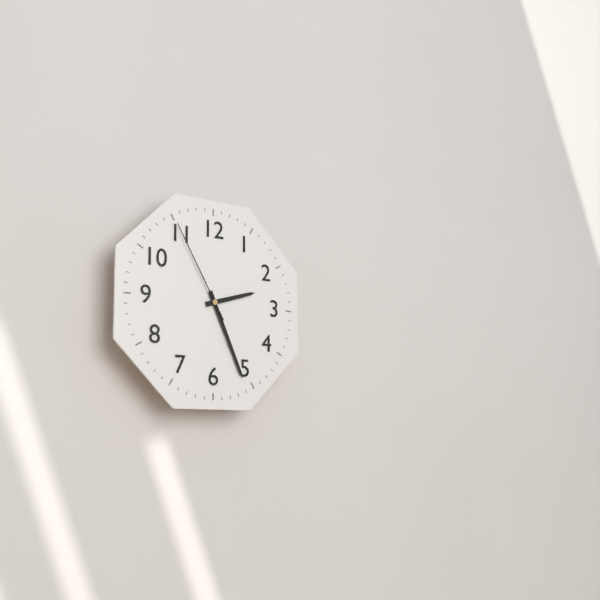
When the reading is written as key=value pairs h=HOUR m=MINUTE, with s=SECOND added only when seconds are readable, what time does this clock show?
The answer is h=2 m=26 s=55
